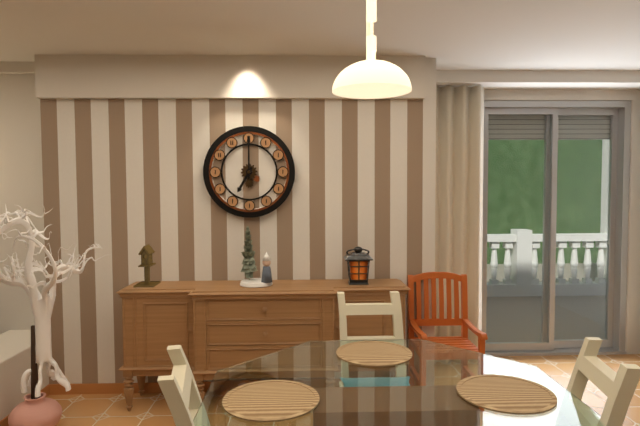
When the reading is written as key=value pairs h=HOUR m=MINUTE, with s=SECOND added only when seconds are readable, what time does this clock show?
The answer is h=7 m=0
